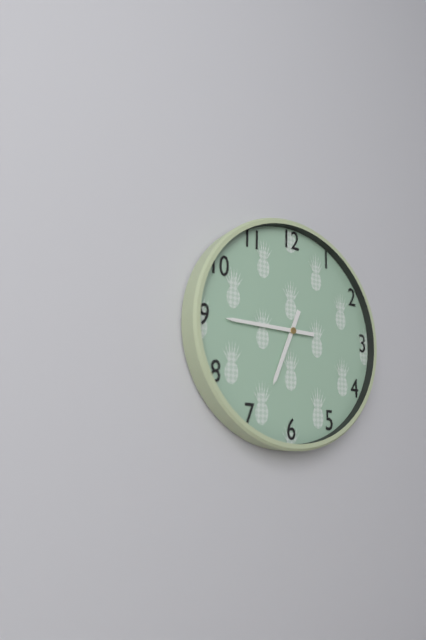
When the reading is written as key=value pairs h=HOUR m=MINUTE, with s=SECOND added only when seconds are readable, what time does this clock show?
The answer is h=6 m=45
